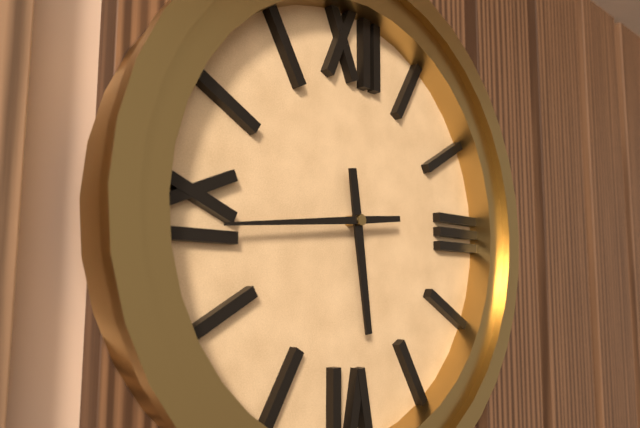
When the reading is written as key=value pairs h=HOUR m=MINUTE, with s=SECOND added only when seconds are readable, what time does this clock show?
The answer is h=5 m=44
